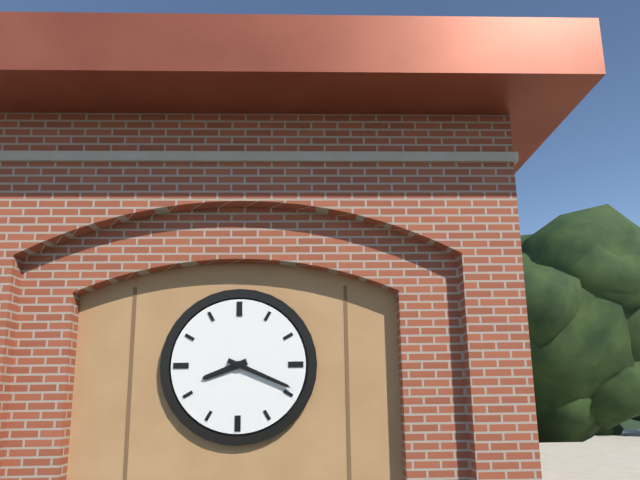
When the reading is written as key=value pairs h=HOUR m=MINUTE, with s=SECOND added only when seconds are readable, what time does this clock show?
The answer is h=8 m=19
